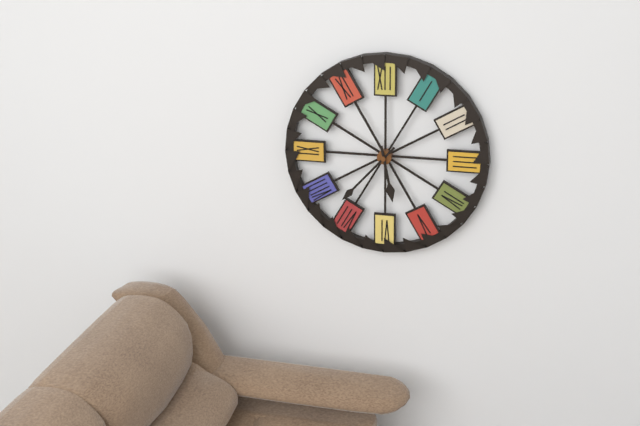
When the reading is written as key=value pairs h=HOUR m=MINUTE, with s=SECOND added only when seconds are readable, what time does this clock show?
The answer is h=5 m=37
